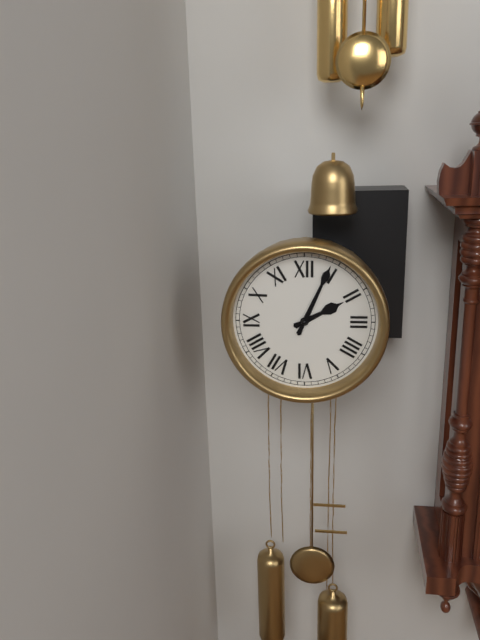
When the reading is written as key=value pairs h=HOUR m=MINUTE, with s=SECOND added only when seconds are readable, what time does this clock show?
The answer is h=2 m=4
